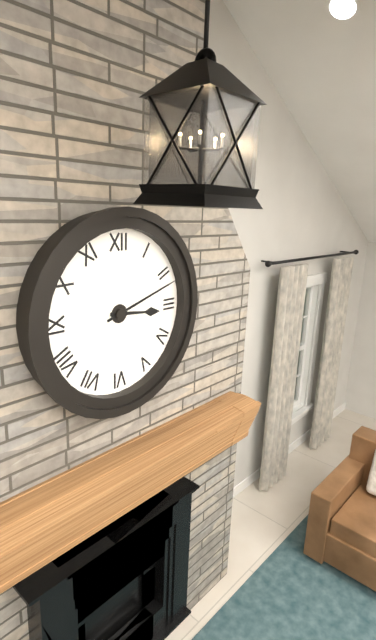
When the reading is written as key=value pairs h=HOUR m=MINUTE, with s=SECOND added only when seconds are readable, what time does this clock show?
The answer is h=3 m=12
